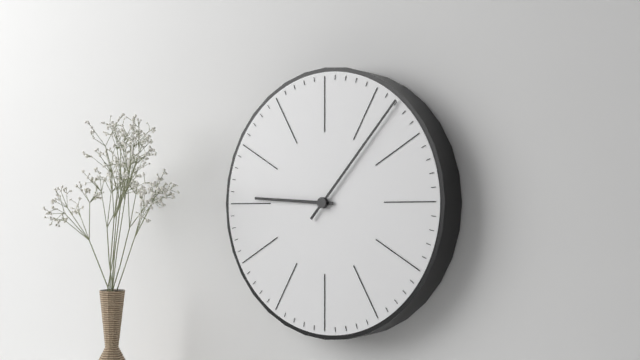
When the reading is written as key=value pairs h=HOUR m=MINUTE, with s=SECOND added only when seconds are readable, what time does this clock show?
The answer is h=9 m=7
